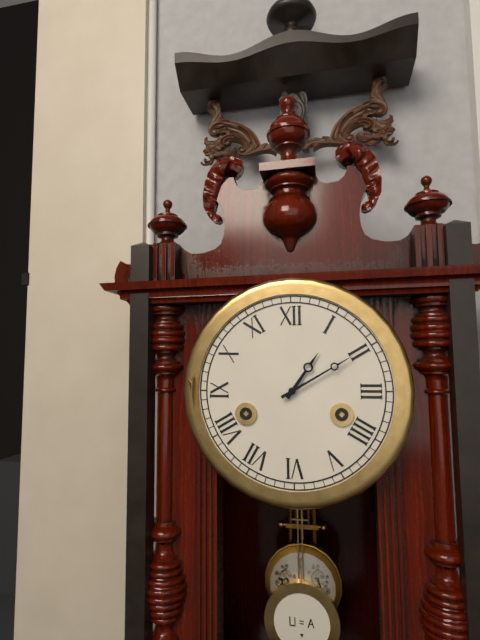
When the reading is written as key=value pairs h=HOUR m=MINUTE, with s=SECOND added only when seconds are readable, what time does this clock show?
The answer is h=1 m=10
